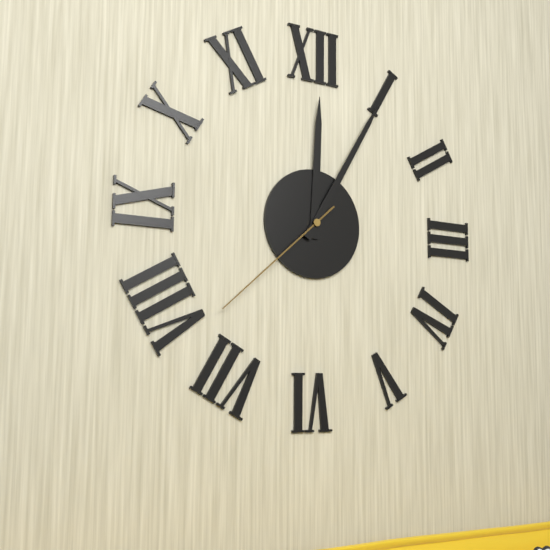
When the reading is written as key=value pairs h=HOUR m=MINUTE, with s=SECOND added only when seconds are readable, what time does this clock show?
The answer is h=12 m=5 s=38
